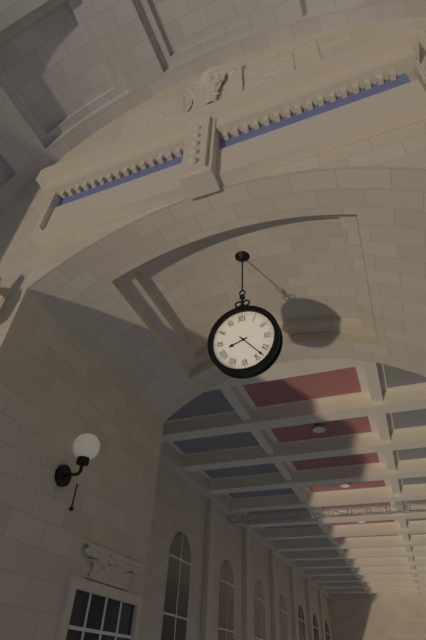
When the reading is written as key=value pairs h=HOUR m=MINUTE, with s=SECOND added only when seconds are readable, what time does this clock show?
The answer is h=8 m=23
